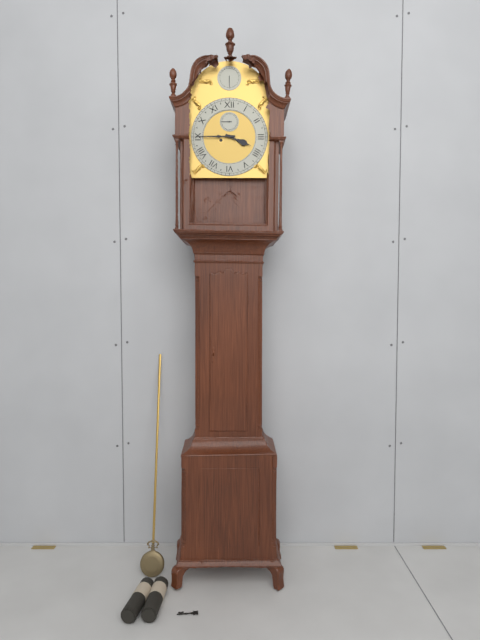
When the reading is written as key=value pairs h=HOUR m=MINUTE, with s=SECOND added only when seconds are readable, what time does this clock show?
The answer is h=3 m=45
